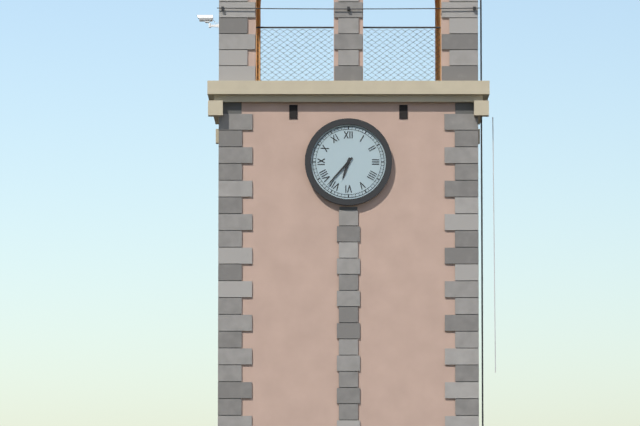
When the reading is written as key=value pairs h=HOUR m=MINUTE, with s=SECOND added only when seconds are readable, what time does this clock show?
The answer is h=6 m=37
